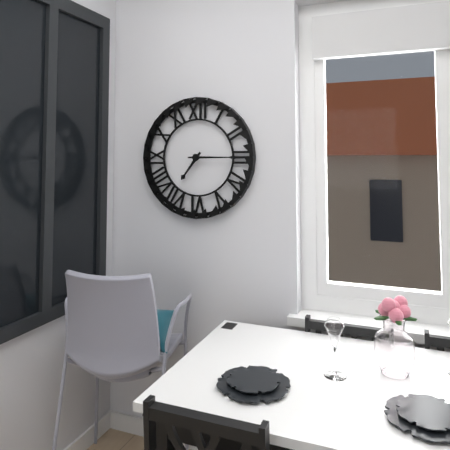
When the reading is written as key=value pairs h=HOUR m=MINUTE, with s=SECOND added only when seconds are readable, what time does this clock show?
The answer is h=7 m=15
